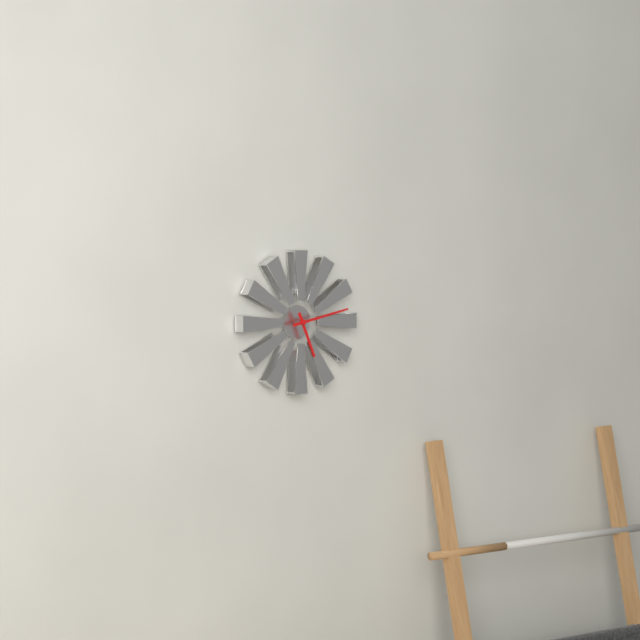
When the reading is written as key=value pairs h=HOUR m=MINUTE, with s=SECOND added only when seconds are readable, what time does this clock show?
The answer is h=5 m=13
